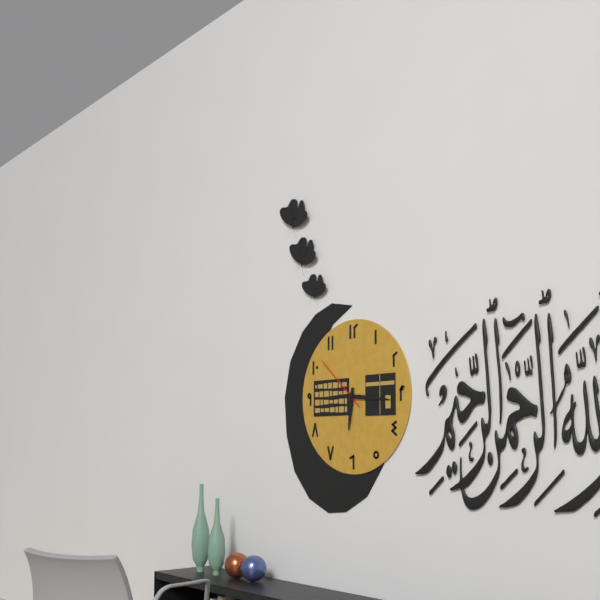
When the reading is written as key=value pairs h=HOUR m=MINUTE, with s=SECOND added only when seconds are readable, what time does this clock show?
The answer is h=6 m=16 s=52
